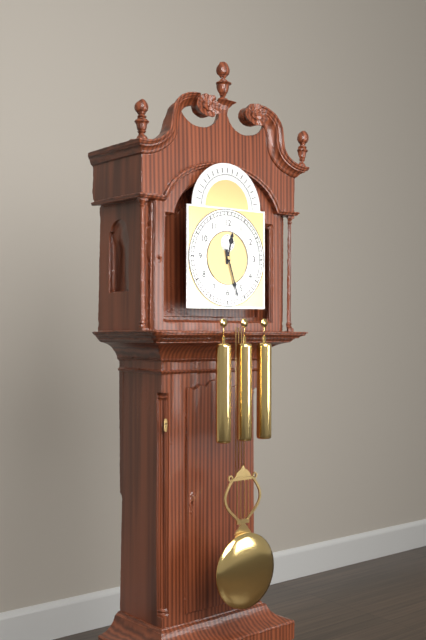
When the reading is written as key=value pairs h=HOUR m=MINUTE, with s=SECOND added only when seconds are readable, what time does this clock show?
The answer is h=12 m=27
